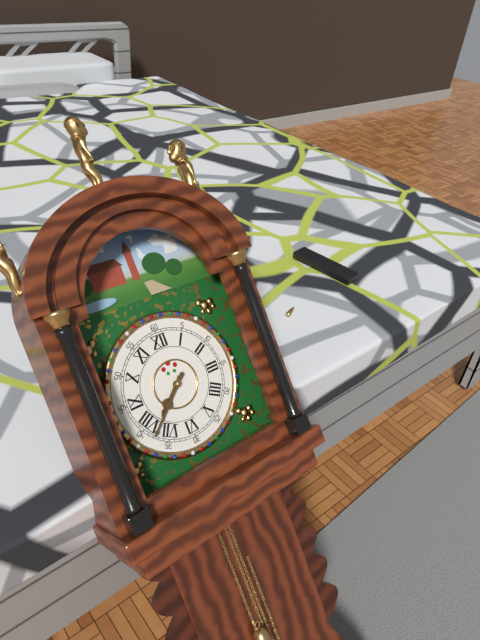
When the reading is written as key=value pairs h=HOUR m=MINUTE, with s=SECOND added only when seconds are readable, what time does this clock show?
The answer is h=7 m=38
